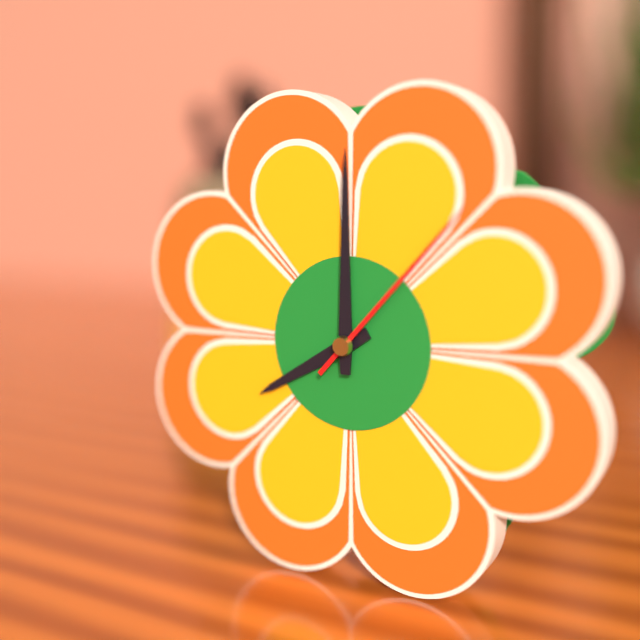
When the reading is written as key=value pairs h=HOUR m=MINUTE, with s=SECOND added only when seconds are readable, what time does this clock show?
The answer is h=8 m=0 s=7
